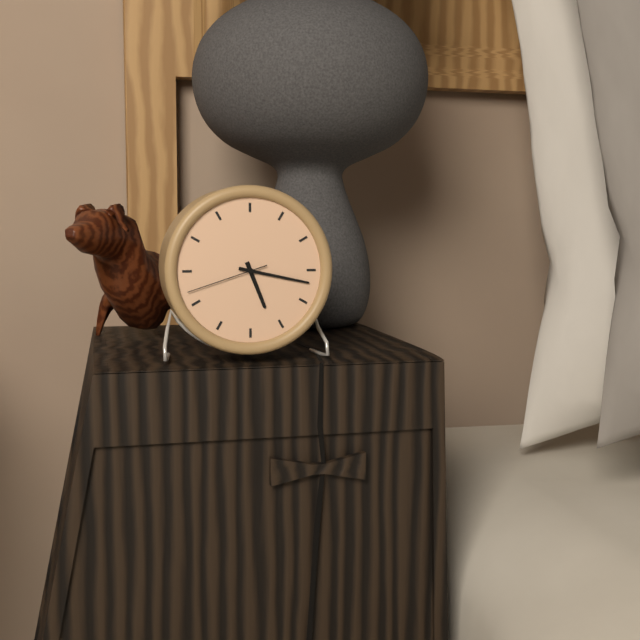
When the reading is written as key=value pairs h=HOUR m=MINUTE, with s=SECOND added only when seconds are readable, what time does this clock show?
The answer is h=5 m=17 s=42
